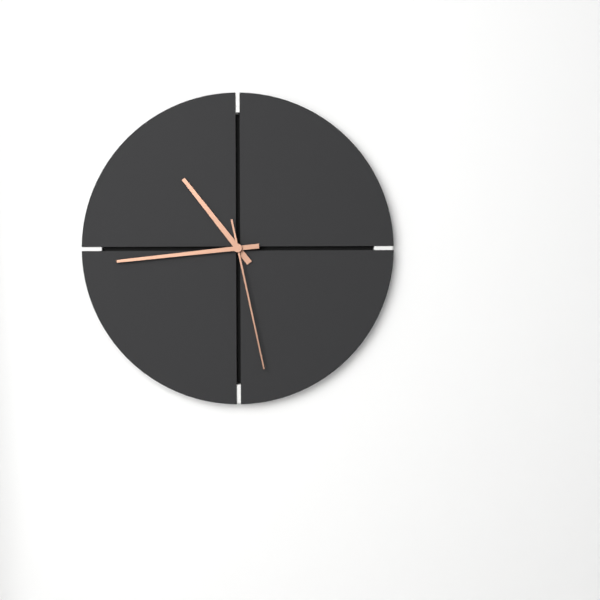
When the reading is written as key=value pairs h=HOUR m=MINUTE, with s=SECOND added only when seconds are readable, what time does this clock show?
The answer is h=10 m=44 s=28
